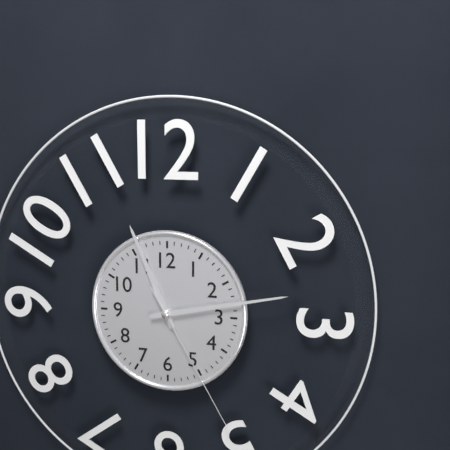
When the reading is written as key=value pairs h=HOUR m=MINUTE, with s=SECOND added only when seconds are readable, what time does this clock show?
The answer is h=11 m=13 s=25
